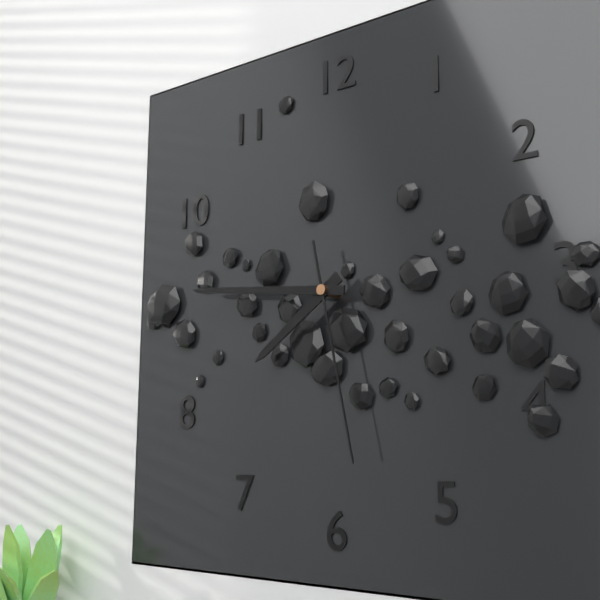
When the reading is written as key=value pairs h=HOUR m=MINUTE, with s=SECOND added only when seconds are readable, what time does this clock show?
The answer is h=7 m=46 s=28
